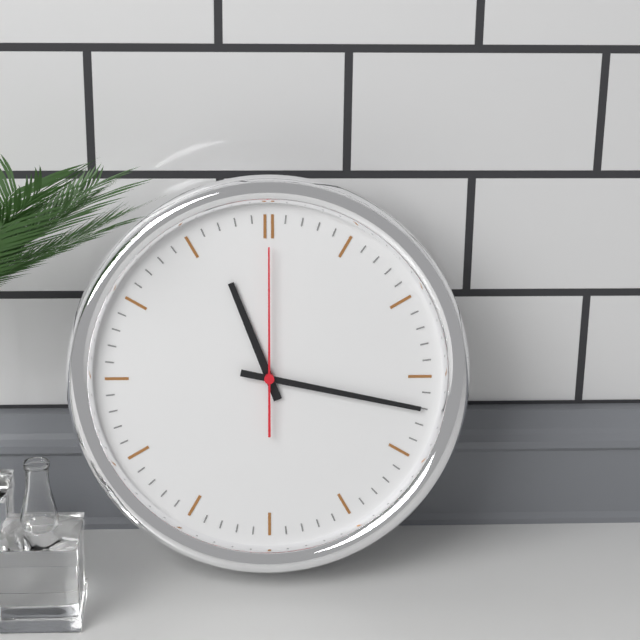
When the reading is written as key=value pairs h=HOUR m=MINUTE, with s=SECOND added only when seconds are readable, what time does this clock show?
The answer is h=11 m=17 s=0
